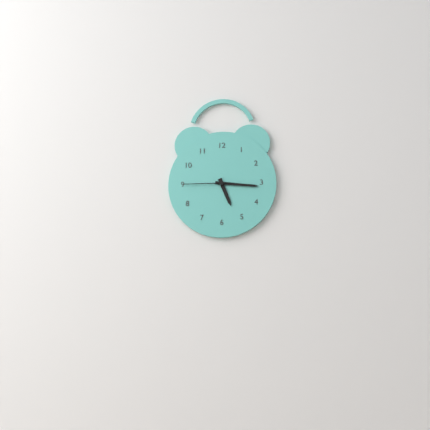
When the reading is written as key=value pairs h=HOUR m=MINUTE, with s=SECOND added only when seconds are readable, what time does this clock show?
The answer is h=5 m=16
